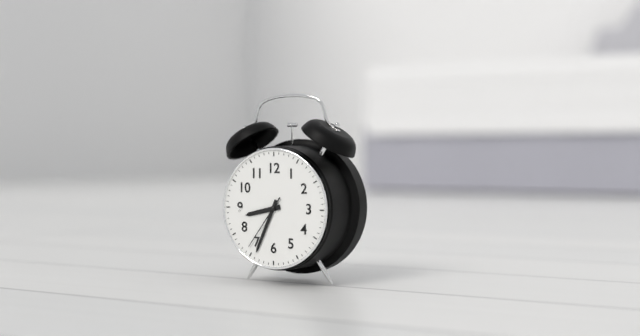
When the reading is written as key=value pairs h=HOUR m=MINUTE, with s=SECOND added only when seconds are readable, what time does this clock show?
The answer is h=8 m=34 s=36
